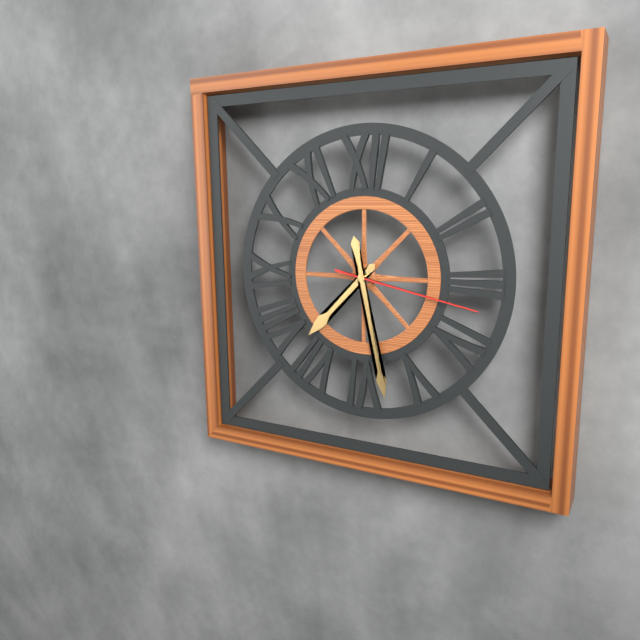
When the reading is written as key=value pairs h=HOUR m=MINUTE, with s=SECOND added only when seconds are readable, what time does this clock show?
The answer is h=7 m=28 s=17
